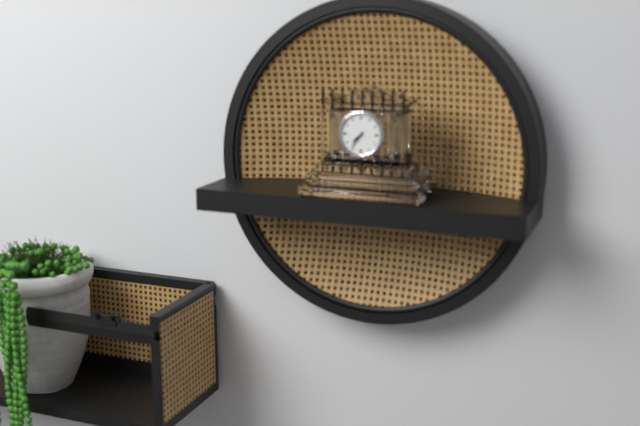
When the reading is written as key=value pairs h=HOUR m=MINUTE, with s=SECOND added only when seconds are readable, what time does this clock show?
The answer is h=7 m=36
